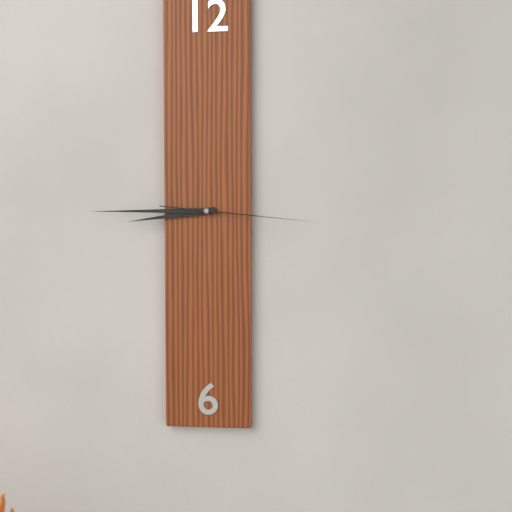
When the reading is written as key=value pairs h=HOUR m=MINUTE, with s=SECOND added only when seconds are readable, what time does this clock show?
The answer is h=8 m=45 s=16
